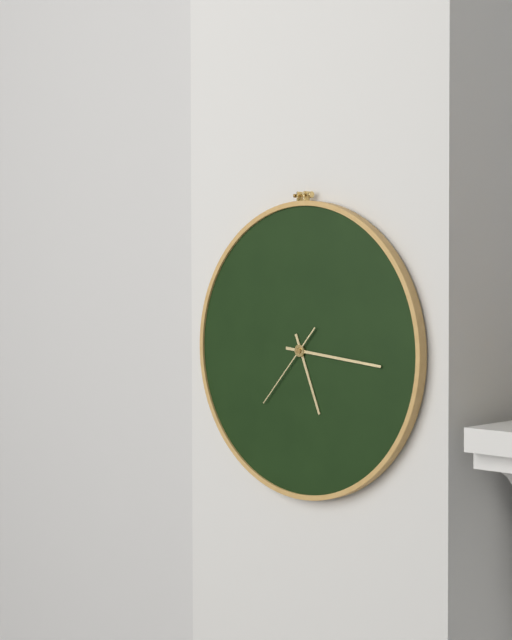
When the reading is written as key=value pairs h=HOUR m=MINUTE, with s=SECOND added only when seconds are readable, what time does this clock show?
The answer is h=5 m=16 s=37
